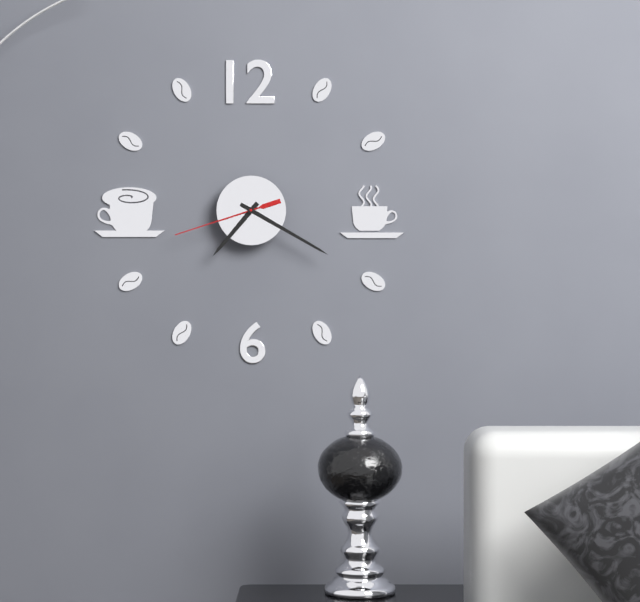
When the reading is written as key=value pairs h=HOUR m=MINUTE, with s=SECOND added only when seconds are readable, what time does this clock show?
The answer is h=7 m=20 s=42
